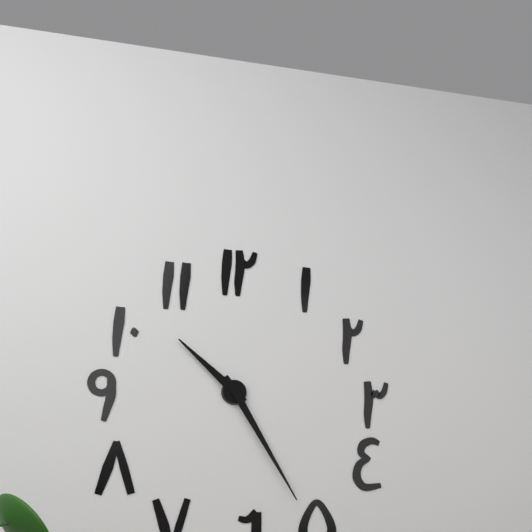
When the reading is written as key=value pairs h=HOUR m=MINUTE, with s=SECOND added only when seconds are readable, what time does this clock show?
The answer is h=10 m=25
